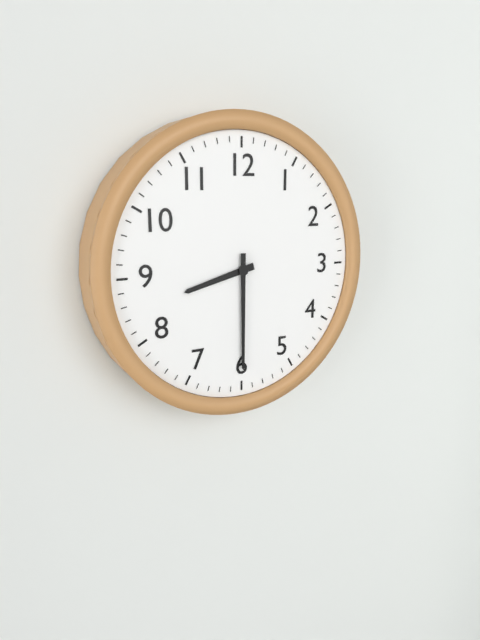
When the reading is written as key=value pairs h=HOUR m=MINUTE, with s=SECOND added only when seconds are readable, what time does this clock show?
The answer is h=8 m=30
